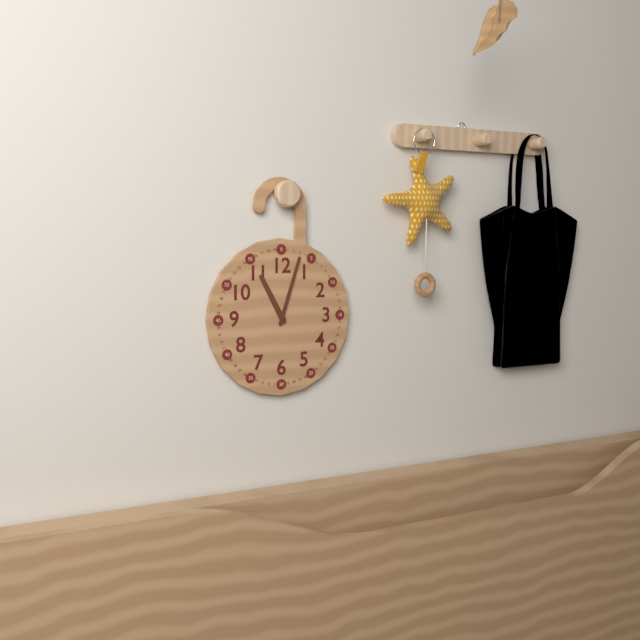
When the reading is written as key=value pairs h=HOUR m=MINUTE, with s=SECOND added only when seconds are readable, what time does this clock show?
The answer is h=11 m=3
